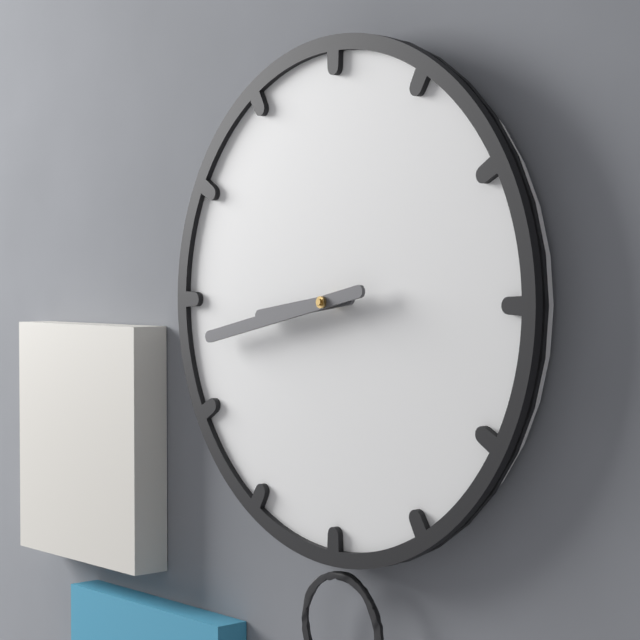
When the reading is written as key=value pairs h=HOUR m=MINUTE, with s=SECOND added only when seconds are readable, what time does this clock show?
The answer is h=8 m=43
